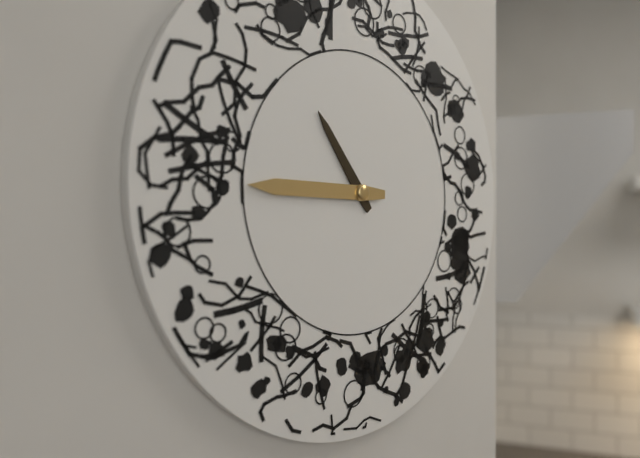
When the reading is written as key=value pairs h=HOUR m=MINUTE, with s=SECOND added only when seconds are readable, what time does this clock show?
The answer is h=10 m=45
